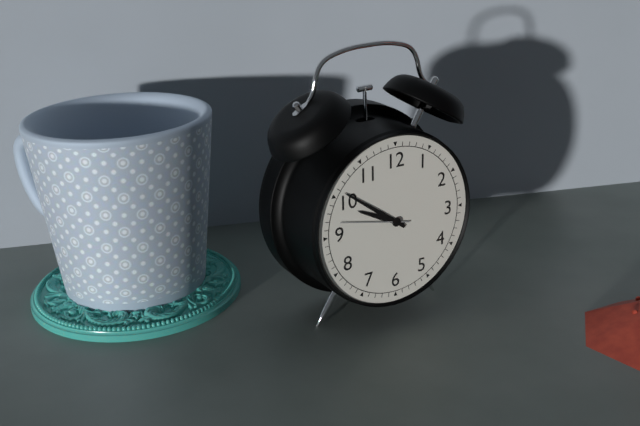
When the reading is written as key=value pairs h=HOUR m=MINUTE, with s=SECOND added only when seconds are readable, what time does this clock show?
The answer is h=9 m=51 s=47
